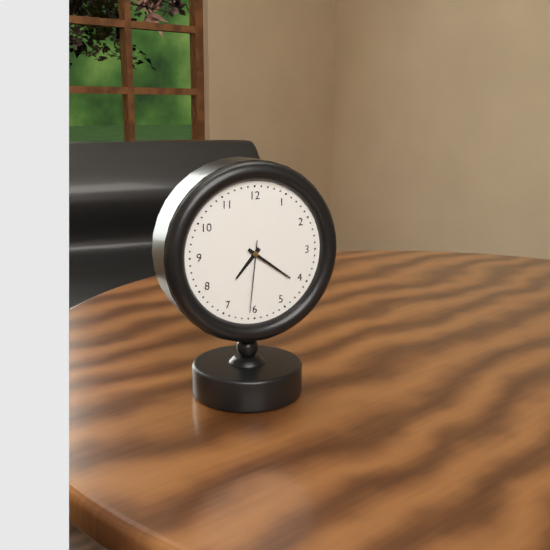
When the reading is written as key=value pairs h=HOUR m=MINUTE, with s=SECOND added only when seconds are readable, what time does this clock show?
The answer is h=7 m=21 s=31
